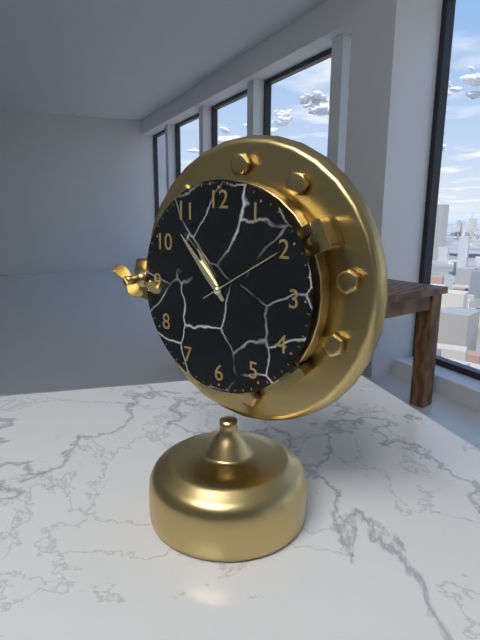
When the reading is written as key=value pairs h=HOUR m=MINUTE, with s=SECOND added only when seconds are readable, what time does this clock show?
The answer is h=10 m=53 s=10
